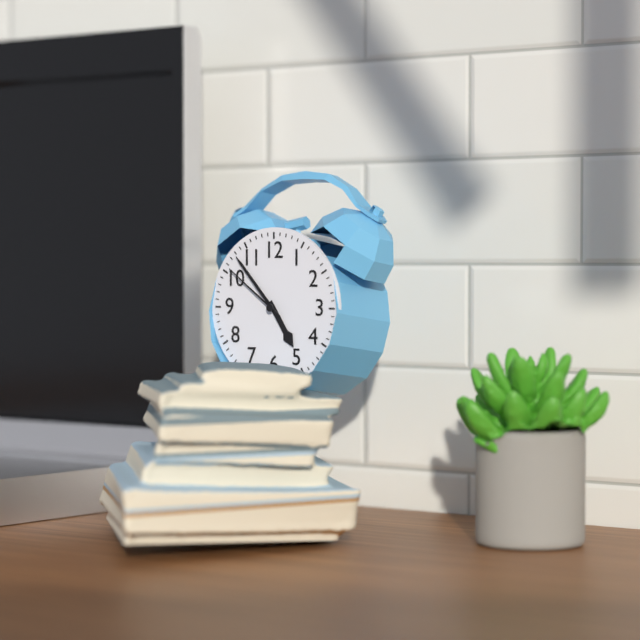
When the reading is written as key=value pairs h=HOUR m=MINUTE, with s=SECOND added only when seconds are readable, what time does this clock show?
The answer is h=4 m=53 s=51
